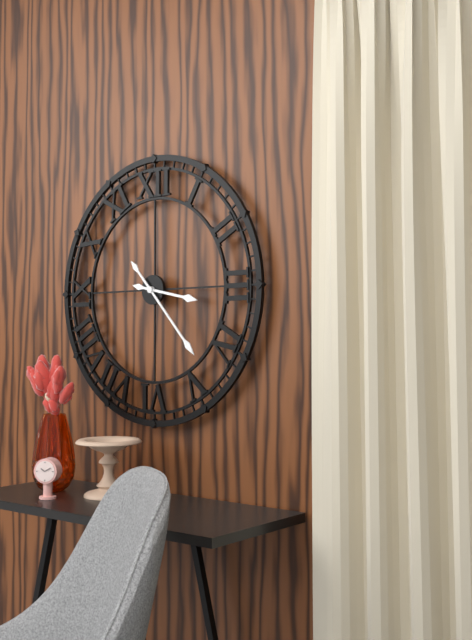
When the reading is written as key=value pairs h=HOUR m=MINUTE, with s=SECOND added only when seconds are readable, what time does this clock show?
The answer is h=3 m=23
